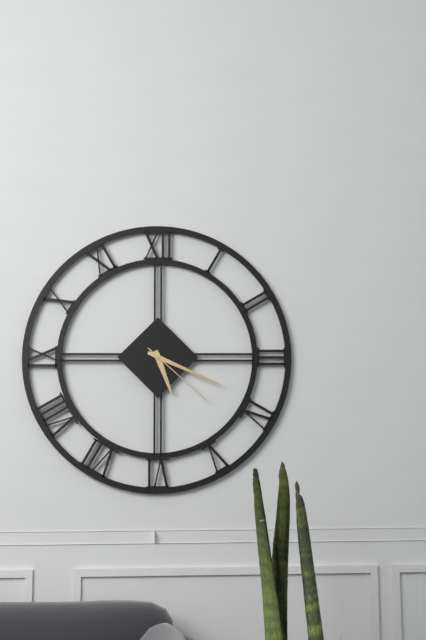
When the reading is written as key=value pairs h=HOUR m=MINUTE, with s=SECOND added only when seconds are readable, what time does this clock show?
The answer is h=5 m=19 s=22
